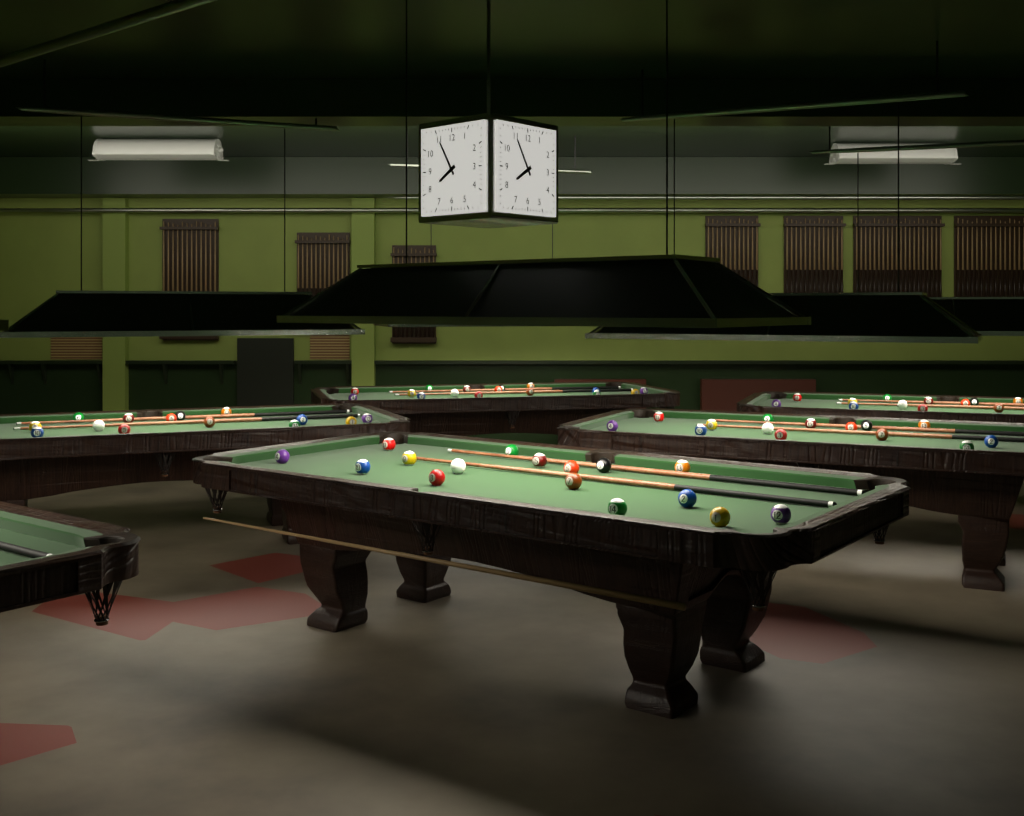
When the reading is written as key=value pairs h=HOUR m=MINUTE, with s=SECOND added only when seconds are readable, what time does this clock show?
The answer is h=7 m=55
